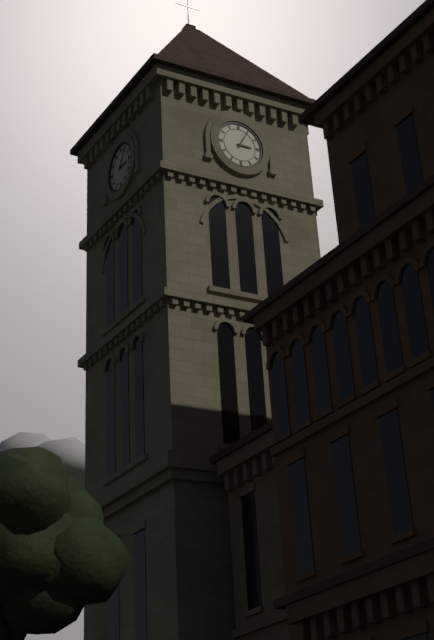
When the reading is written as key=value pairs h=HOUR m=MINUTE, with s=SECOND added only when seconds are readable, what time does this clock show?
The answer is h=3 m=5
